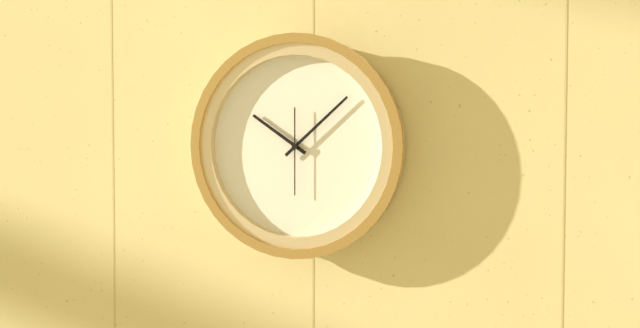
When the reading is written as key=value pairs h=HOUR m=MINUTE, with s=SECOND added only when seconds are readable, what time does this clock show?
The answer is h=10 m=8 s=30
